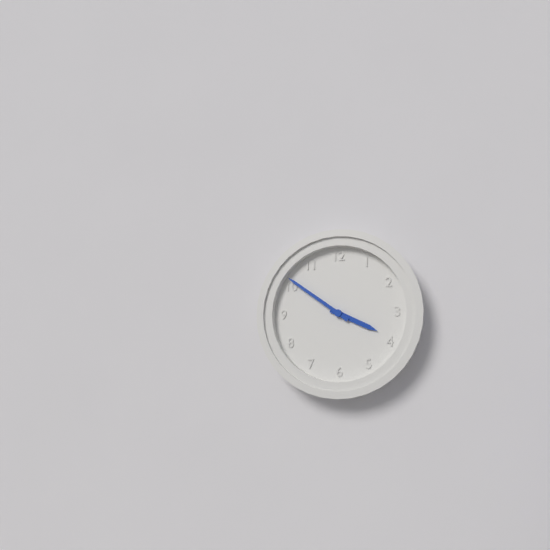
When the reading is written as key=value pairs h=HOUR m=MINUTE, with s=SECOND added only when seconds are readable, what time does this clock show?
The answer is h=3 m=51
